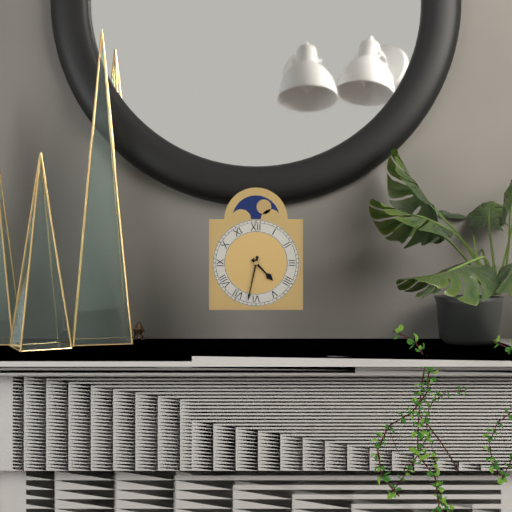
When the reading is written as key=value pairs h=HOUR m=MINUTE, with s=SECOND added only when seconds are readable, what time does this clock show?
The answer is h=4 m=32
